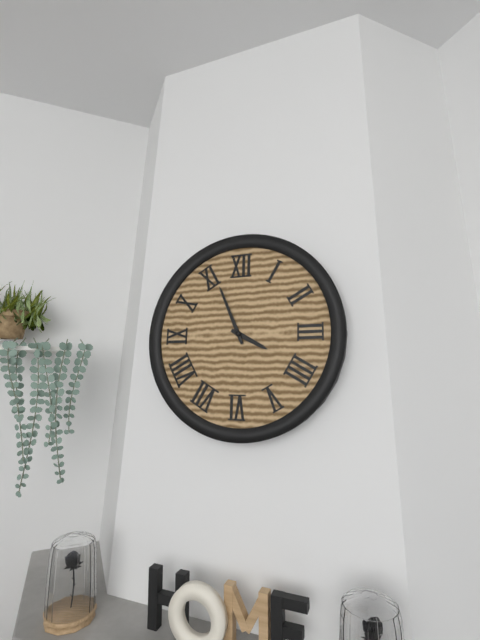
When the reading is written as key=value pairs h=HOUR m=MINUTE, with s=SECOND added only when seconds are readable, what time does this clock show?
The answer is h=3 m=56
